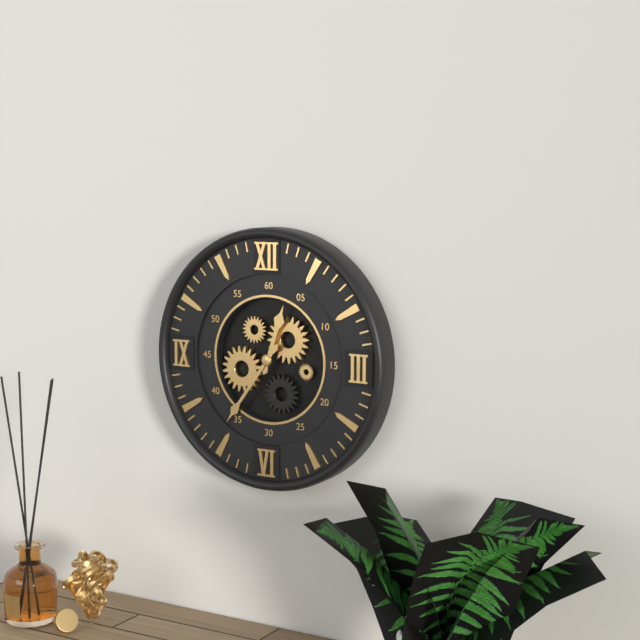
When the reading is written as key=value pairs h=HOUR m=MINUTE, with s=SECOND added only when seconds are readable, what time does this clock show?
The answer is h=12 m=36
